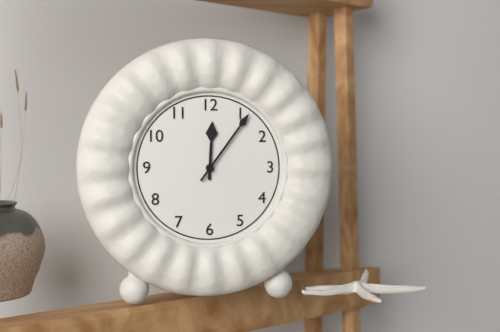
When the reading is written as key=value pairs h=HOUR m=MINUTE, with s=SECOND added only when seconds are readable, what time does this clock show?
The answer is h=12 m=6
